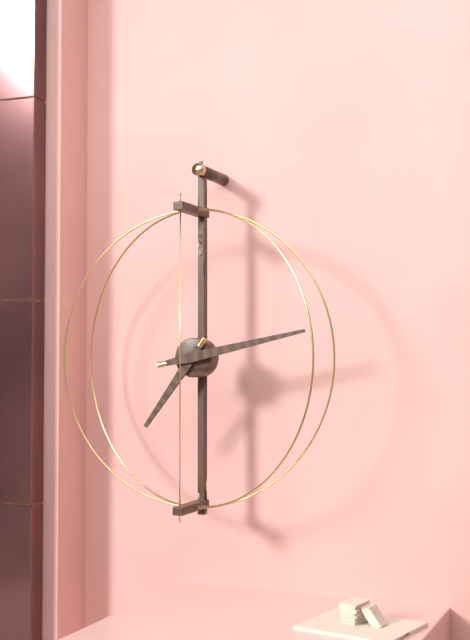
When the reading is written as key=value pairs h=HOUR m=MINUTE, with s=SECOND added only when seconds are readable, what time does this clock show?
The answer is h=7 m=13
